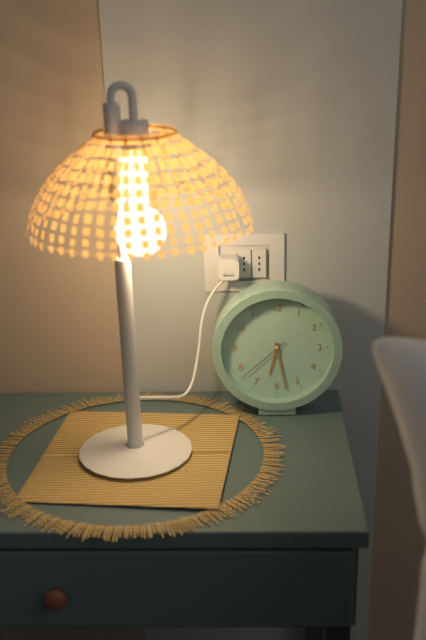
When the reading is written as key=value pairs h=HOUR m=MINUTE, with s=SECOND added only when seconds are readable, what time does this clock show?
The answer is h=6 m=28 s=38
